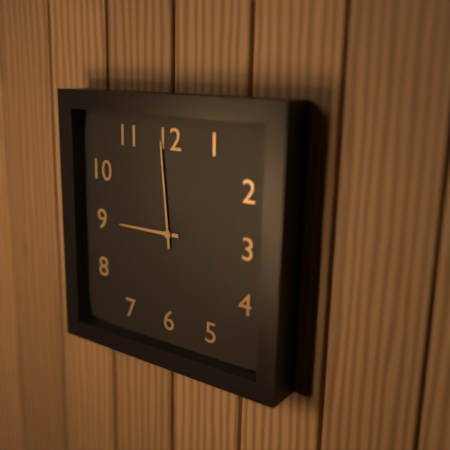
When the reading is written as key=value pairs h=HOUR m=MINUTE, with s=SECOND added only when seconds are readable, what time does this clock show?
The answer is h=8 m=59
